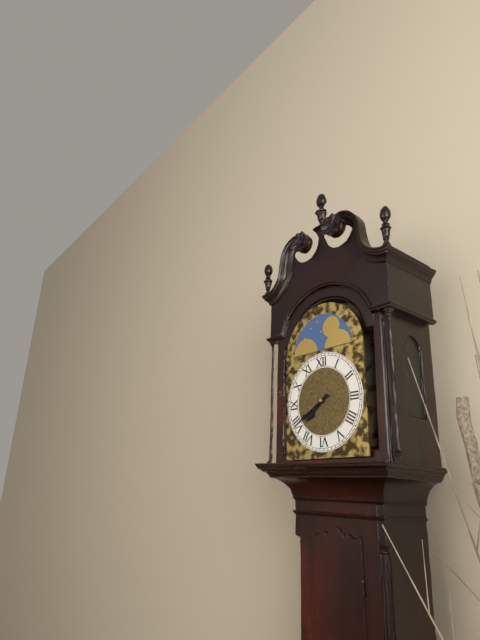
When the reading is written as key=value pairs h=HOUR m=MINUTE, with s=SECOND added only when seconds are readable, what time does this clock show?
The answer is h=7 m=40
